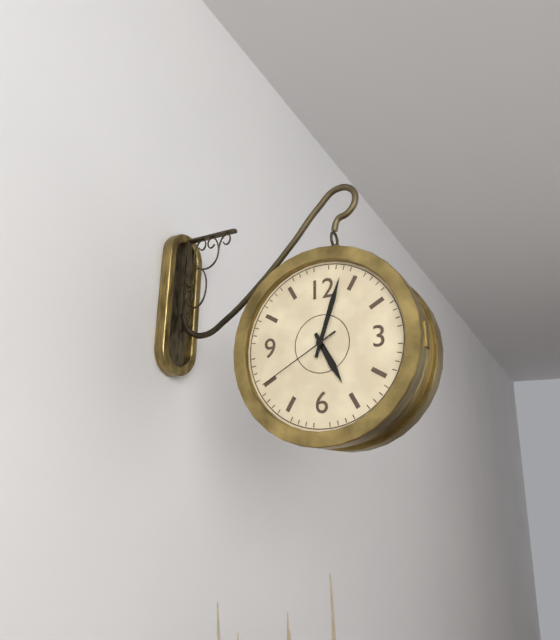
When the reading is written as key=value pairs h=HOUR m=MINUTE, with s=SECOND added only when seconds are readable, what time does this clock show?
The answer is h=5 m=3 s=40
